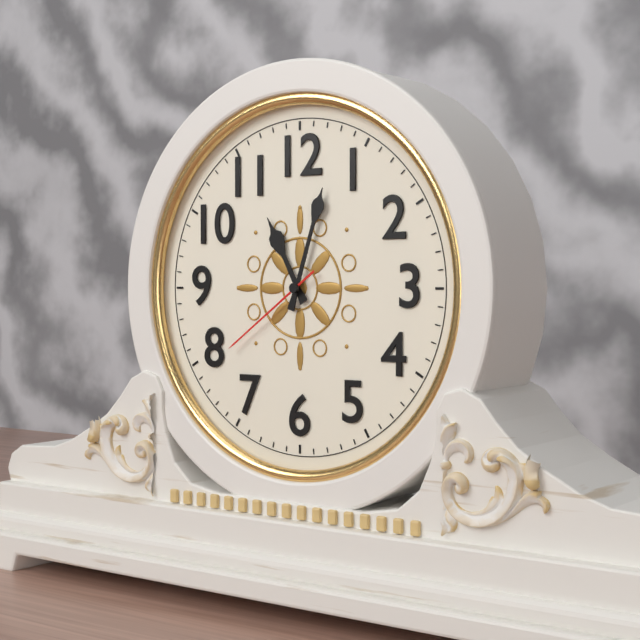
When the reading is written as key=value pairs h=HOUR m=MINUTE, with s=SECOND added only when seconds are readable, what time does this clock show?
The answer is h=11 m=3 s=39
